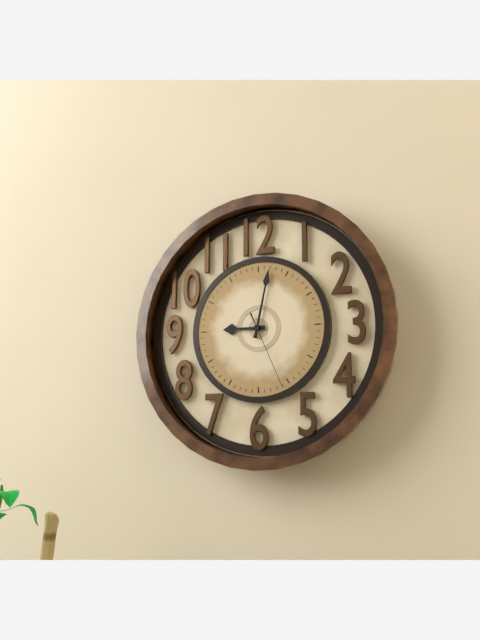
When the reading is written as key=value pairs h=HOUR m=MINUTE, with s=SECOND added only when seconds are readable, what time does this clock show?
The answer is h=9 m=2 s=26
